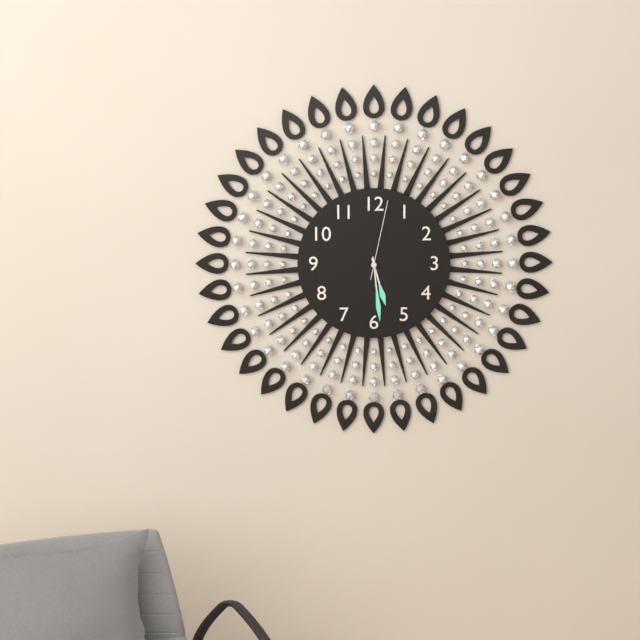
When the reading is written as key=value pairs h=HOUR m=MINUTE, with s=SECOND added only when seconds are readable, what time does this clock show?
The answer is h=5 m=29 s=2
